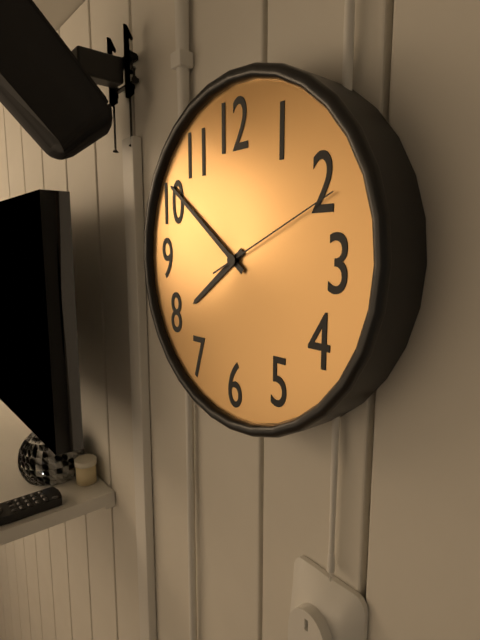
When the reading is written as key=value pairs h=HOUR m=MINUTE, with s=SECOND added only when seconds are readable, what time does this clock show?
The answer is h=7 m=51 s=11
